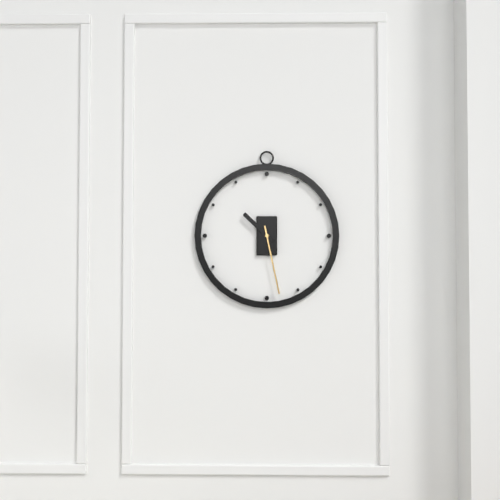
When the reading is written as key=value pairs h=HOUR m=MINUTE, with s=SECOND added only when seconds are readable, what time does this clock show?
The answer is h=10 m=28
